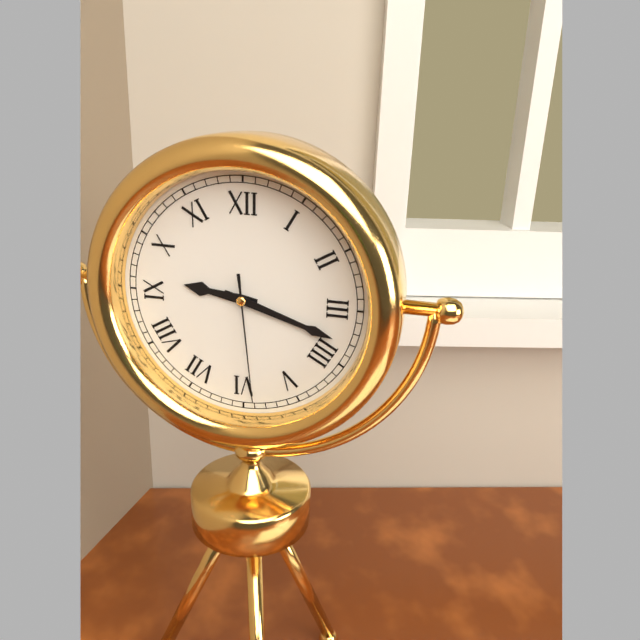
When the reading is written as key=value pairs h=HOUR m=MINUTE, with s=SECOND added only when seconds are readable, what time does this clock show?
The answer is h=9 m=18 s=29
